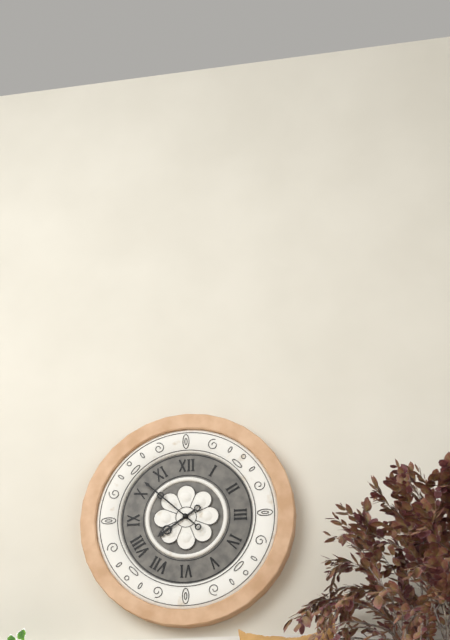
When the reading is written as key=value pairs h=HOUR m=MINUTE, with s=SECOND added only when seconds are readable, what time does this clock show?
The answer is h=7 m=52
